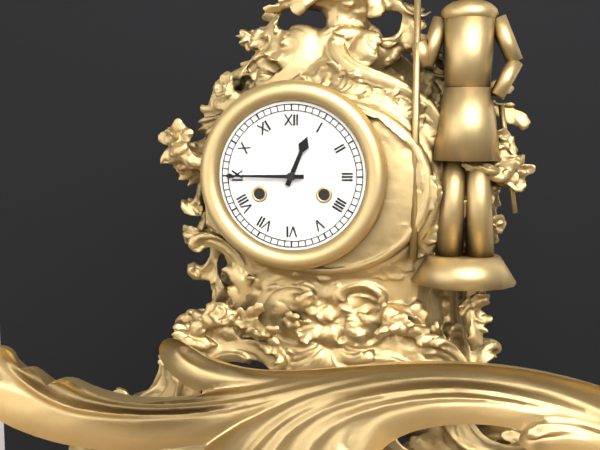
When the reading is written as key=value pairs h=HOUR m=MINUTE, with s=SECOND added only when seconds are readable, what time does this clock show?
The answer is h=12 m=45
